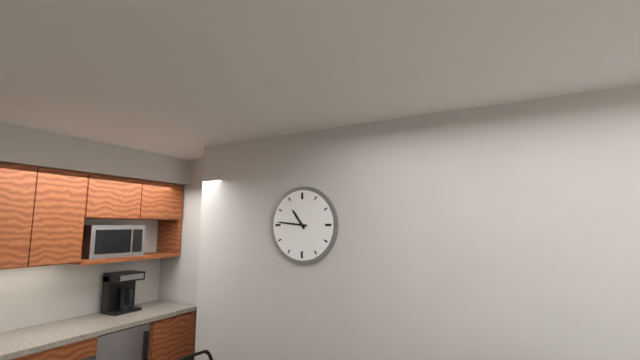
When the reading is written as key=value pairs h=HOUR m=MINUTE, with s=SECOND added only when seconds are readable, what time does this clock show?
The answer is h=10 m=46
